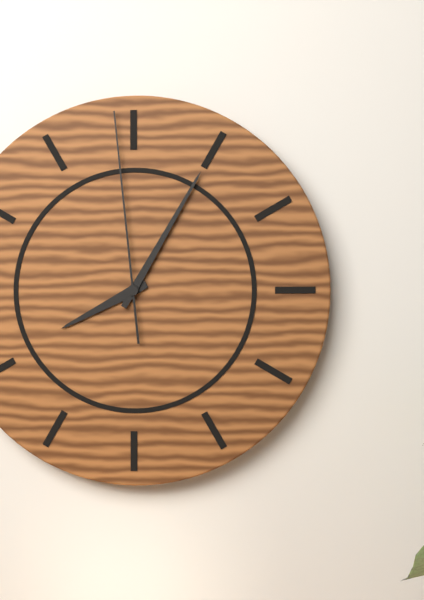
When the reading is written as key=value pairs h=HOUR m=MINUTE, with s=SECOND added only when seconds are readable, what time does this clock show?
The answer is h=8 m=5 s=59
